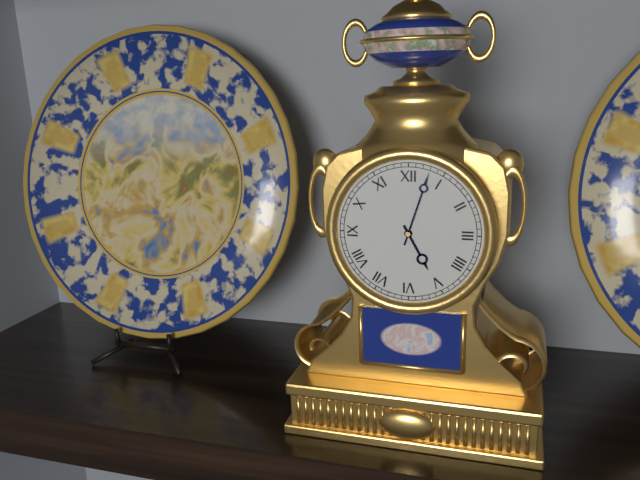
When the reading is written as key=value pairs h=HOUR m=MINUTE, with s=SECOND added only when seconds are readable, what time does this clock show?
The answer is h=5 m=3
